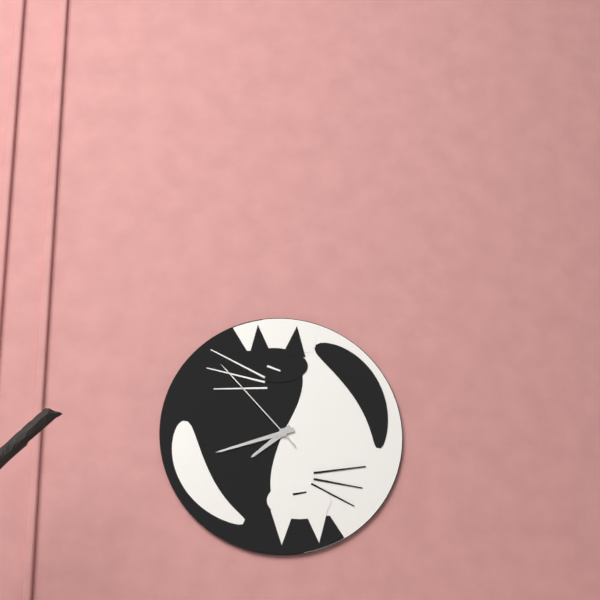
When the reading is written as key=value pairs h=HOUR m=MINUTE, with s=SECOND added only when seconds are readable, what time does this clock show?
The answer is h=7 m=42 s=53
